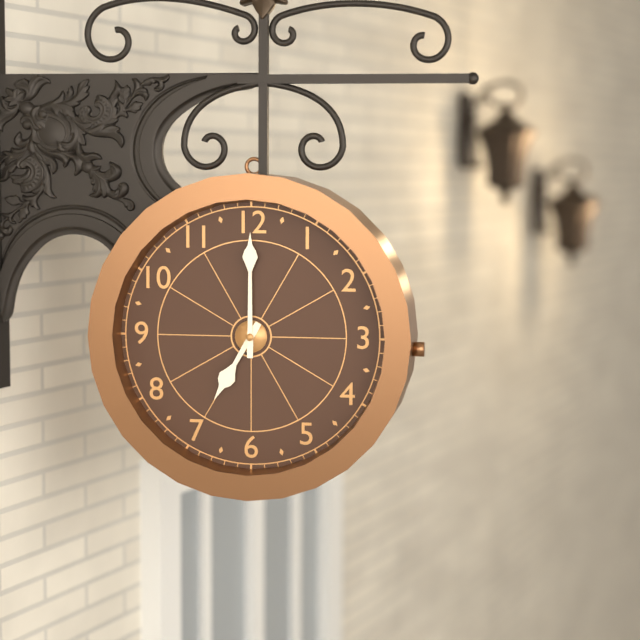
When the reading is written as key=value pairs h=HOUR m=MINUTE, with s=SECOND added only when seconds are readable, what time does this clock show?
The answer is h=7 m=0
